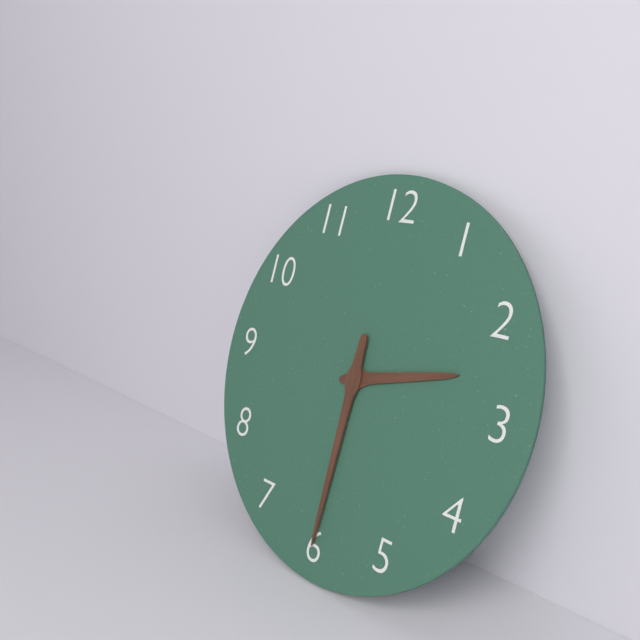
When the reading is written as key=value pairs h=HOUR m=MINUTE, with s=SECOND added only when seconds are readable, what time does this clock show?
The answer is h=2 m=30
